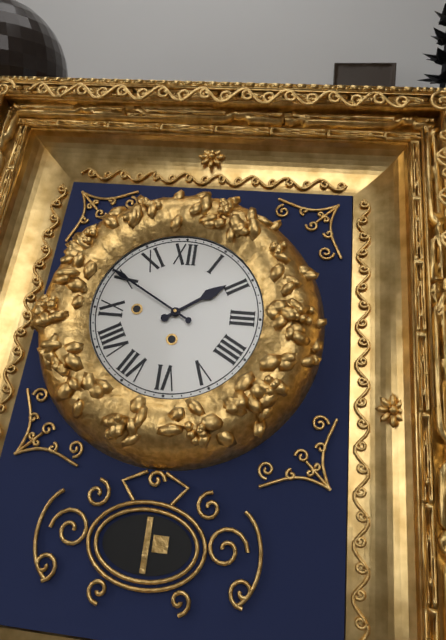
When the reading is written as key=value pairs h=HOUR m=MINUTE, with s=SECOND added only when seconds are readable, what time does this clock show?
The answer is h=1 m=50
